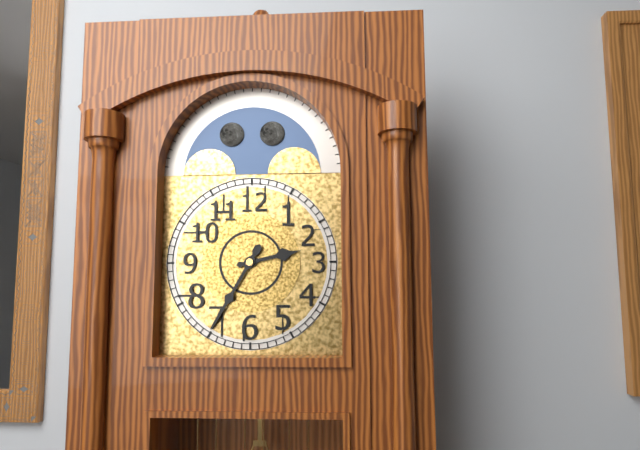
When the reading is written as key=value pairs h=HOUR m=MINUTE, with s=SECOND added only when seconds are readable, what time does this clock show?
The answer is h=2 m=35
